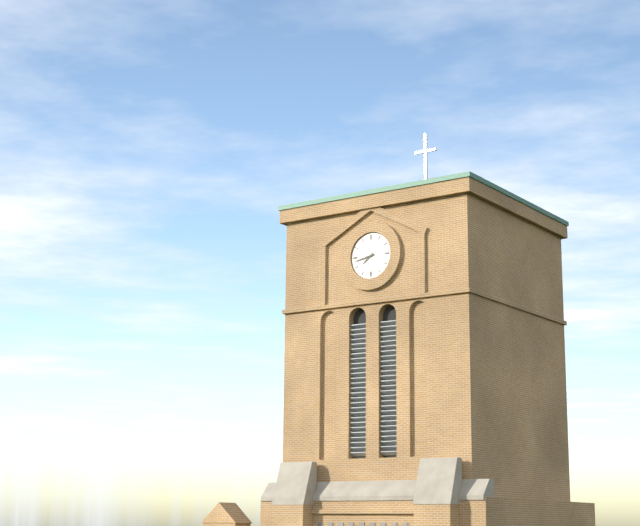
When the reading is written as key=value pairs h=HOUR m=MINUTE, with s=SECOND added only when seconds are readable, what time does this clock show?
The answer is h=7 m=43
